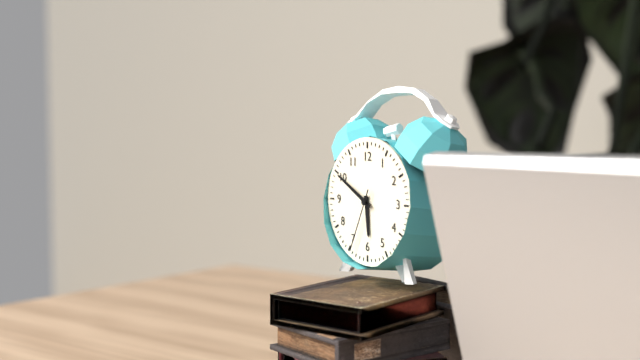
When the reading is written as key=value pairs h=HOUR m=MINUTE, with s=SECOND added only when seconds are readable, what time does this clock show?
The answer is h=5 m=50 s=34
